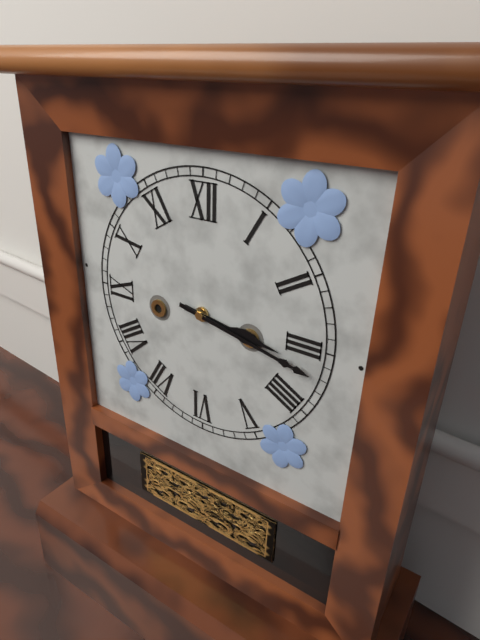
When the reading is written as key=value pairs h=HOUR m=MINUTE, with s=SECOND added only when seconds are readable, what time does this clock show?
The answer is h=3 m=17
